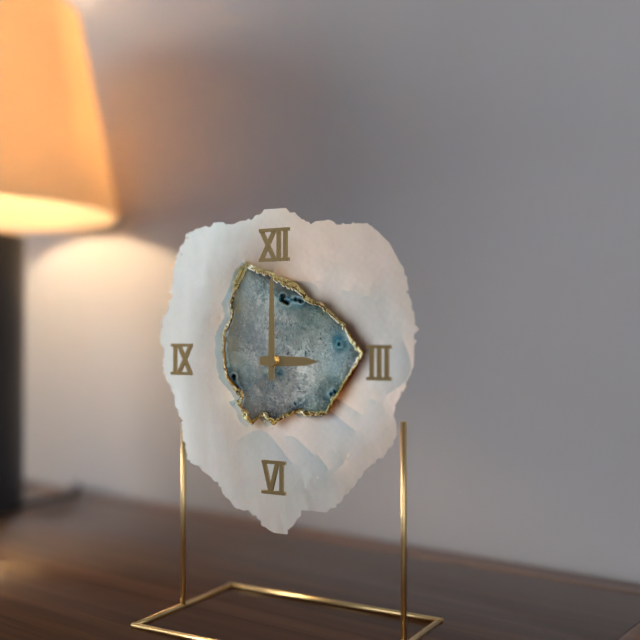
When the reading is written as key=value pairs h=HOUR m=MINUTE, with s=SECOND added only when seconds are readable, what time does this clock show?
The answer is h=3 m=0
